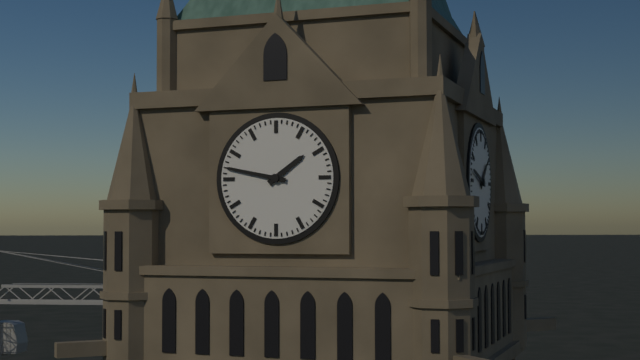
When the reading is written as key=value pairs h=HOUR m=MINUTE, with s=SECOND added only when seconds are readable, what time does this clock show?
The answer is h=1 m=47
